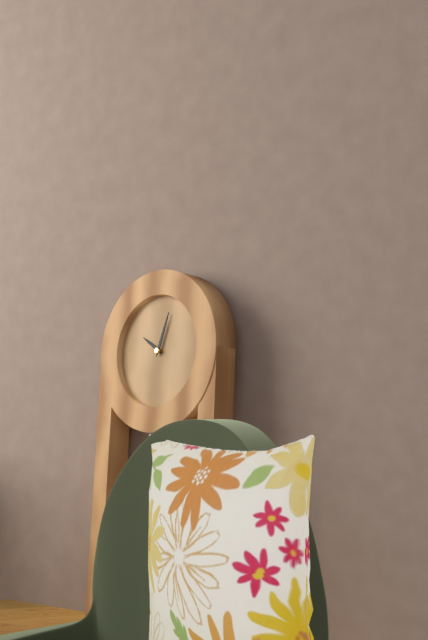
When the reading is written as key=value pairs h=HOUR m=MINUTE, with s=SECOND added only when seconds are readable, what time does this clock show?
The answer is h=10 m=3
